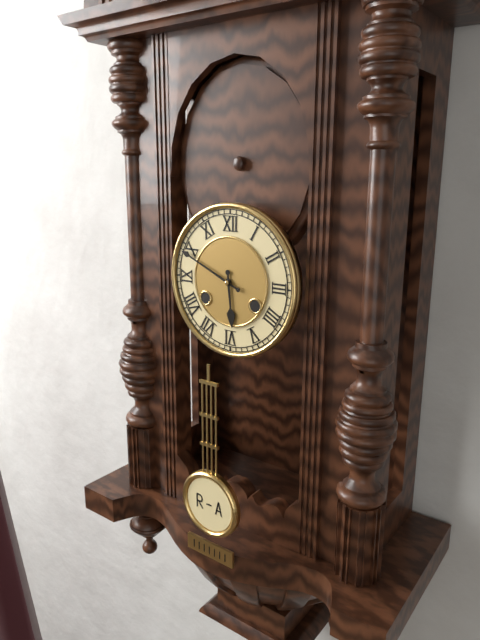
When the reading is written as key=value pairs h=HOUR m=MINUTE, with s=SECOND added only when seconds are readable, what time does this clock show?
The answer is h=5 m=49
